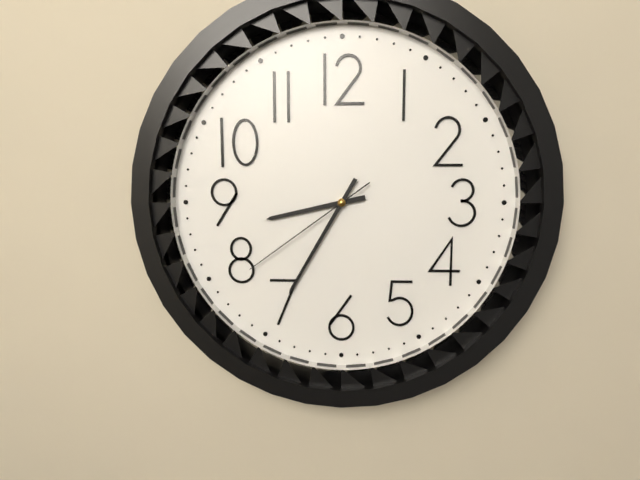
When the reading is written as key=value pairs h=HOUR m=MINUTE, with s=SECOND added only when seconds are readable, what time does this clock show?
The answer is h=8 m=35 s=39
